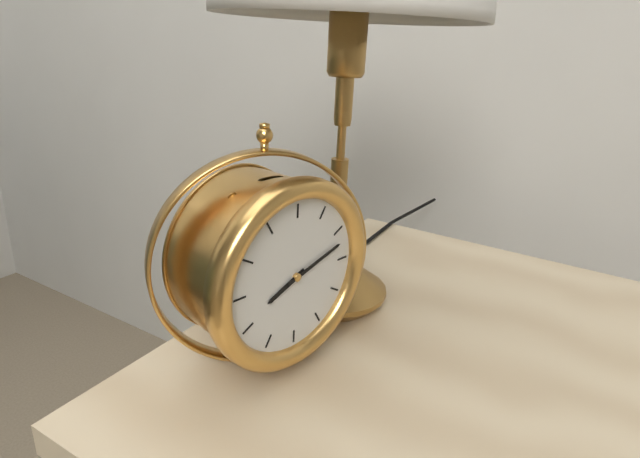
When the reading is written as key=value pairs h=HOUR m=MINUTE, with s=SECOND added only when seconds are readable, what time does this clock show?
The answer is h=8 m=12
